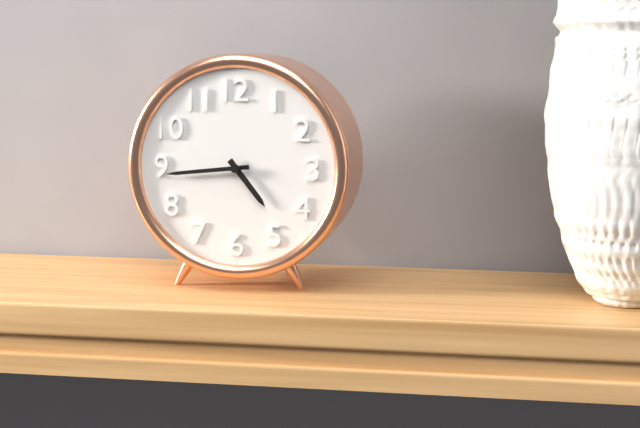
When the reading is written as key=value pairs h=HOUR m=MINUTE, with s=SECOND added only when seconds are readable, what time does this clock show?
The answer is h=4 m=44
